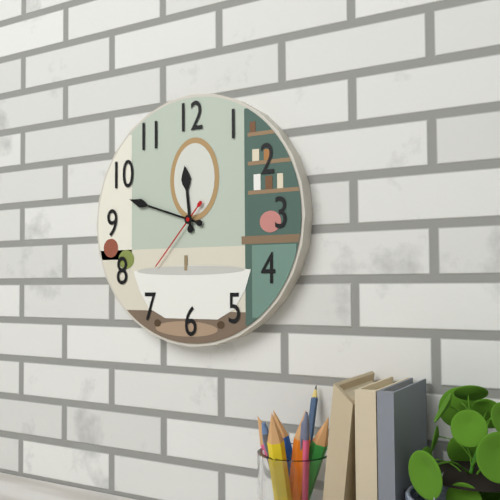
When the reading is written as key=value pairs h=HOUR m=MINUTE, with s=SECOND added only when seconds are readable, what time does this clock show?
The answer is h=11 m=48 s=37
